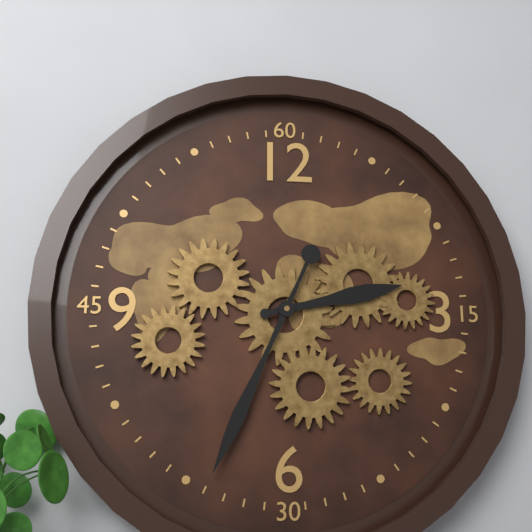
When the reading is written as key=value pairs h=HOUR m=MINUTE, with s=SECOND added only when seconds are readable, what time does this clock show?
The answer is h=2 m=34
